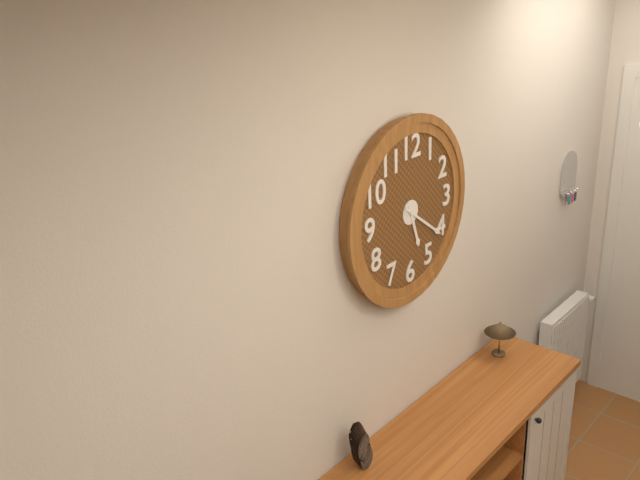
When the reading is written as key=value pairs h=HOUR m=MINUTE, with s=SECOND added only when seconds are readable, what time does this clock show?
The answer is h=5 m=21
